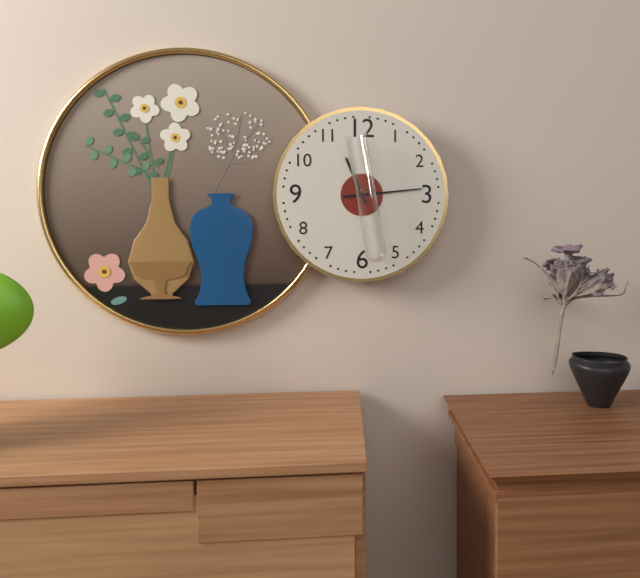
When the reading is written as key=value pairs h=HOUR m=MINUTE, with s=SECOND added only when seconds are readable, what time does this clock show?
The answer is h=11 m=14
